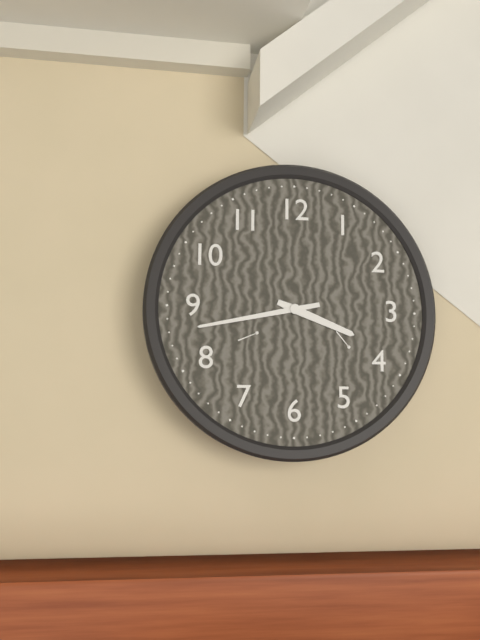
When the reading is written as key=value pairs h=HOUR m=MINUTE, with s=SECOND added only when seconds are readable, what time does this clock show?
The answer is h=3 m=43
